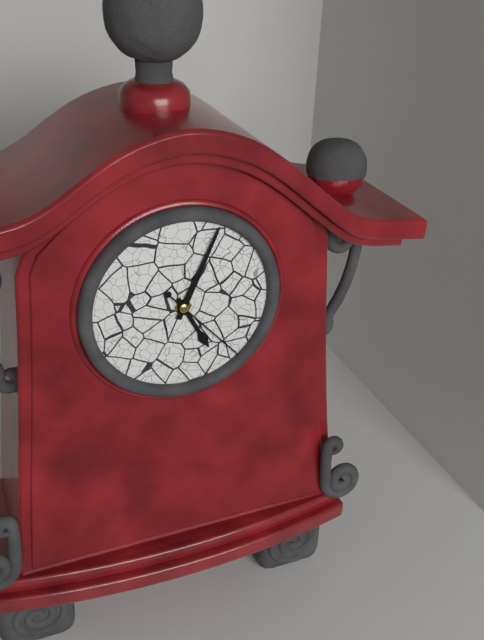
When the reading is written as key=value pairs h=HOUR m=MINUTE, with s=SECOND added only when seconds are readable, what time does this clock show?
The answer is h=5 m=4 s=23
